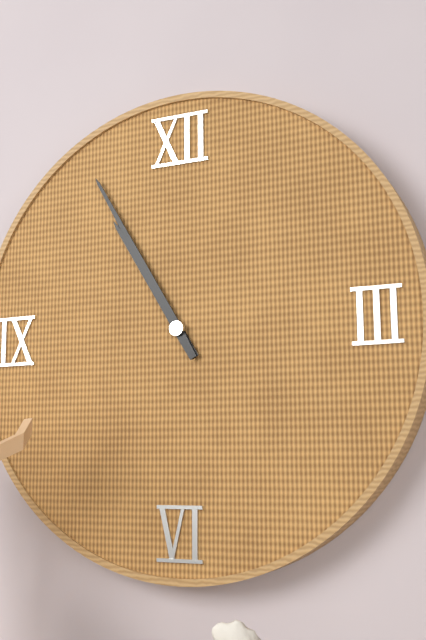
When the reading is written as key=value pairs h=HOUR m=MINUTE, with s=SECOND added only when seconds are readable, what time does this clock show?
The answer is h=10 m=55
